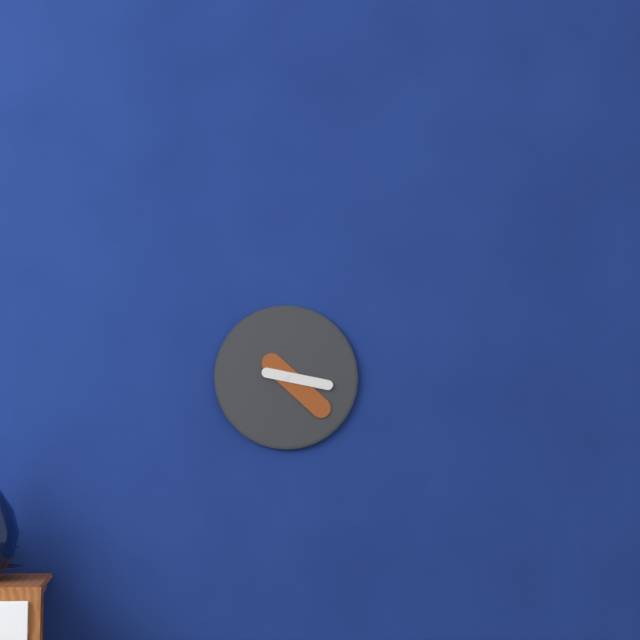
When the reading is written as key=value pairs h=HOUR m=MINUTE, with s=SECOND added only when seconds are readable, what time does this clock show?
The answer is h=3 m=22
